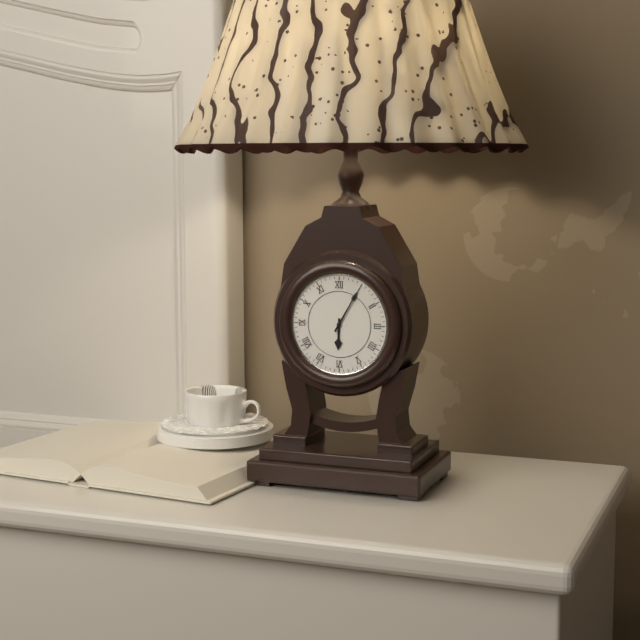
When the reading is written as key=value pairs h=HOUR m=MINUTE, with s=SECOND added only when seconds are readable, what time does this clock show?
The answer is h=6 m=5
